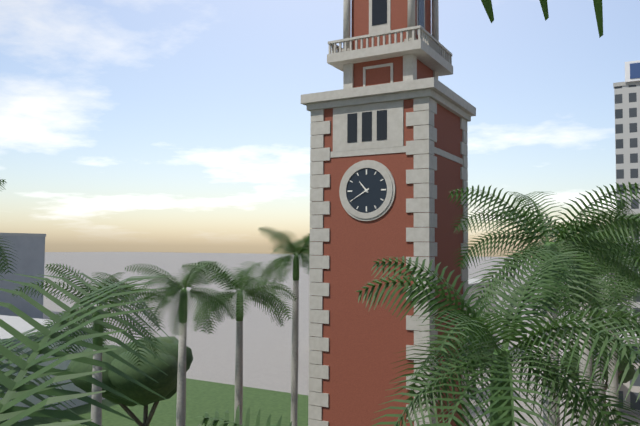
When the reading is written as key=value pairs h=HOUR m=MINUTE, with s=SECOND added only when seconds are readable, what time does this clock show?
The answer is h=10 m=40
